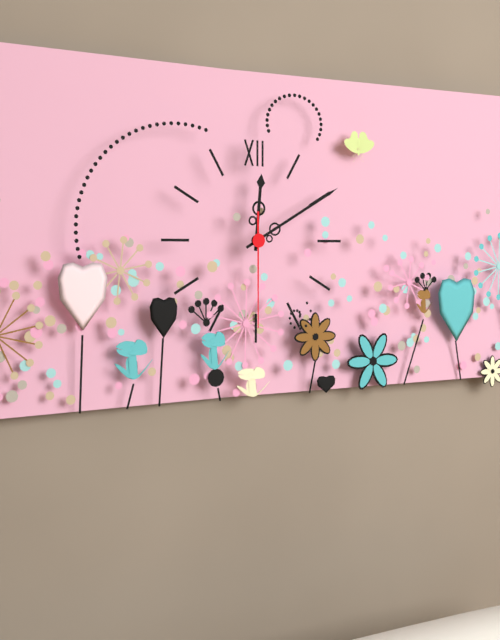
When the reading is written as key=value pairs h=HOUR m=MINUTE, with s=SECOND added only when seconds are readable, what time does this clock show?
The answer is h=12 m=10 s=30
